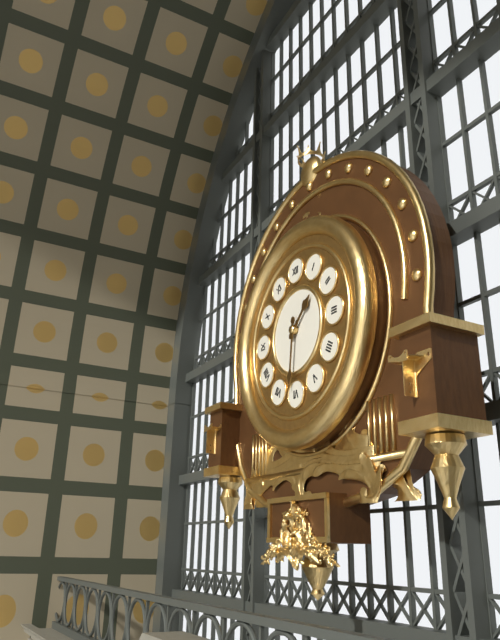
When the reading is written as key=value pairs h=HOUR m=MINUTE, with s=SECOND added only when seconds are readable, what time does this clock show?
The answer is h=1 m=31
